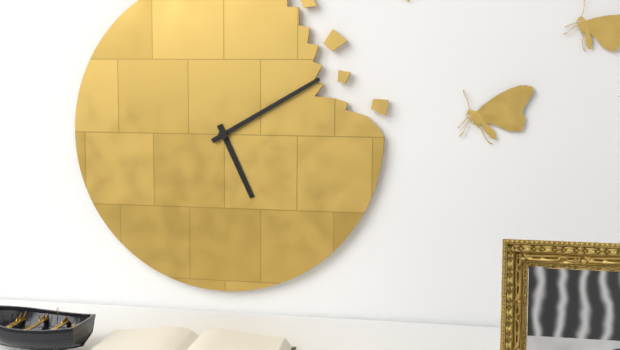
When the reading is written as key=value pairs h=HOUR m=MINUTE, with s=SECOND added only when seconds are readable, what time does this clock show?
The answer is h=5 m=10
